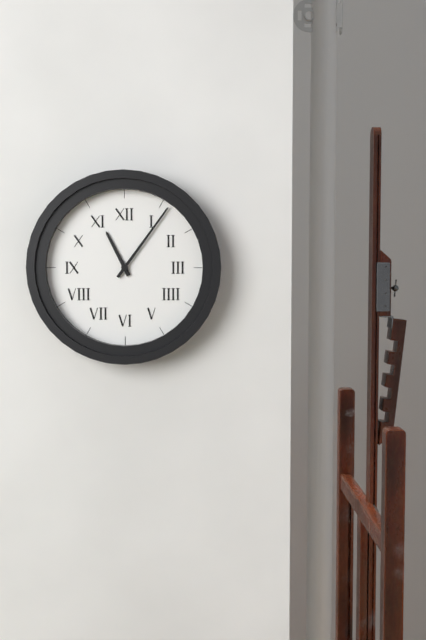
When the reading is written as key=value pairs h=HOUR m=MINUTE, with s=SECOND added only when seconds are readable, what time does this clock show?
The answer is h=11 m=6
